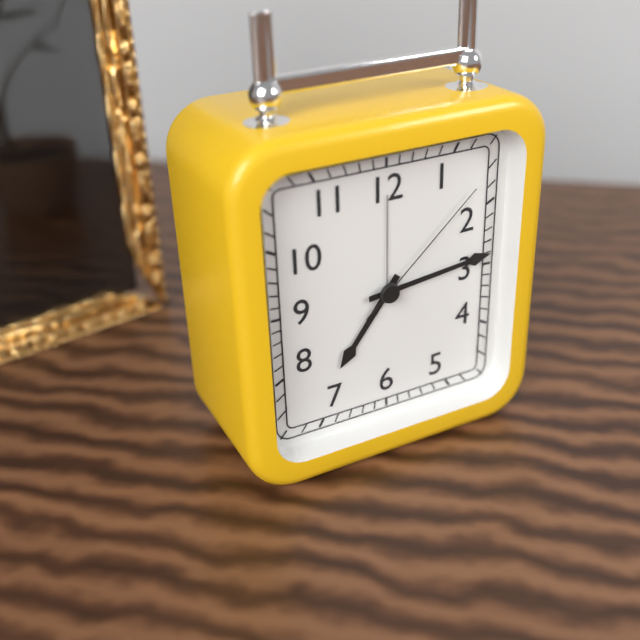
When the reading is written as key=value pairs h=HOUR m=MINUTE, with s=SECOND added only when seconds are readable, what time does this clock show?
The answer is h=7 m=14 s=8
